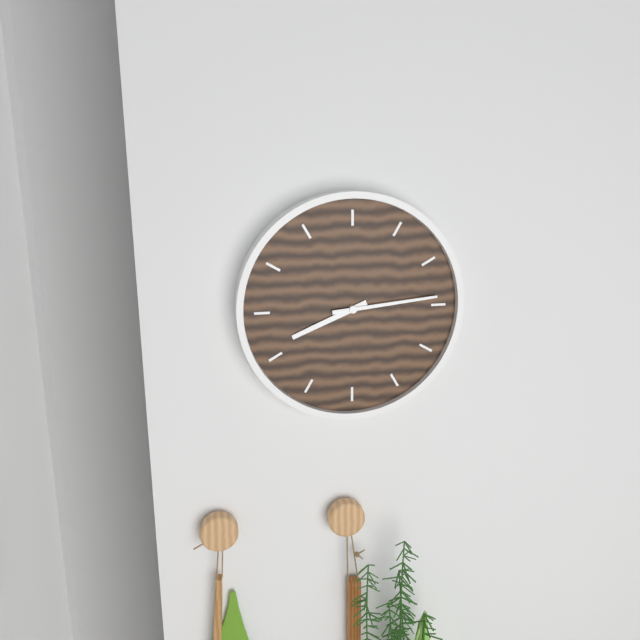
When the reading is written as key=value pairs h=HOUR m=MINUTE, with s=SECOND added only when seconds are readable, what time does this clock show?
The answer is h=8 m=14
